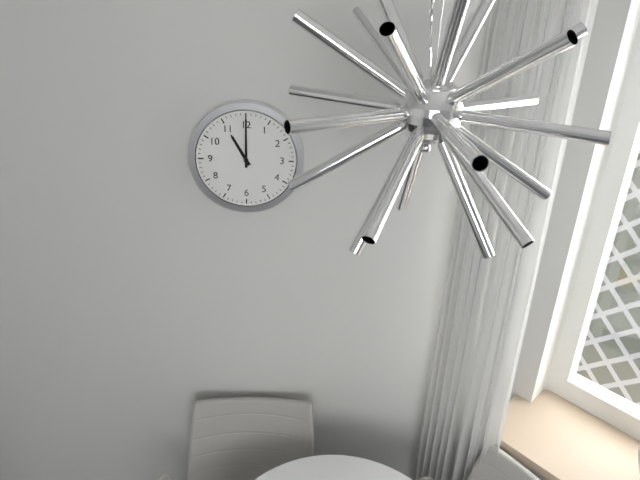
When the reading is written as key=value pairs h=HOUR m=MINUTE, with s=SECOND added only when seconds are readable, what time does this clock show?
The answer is h=11 m=0
